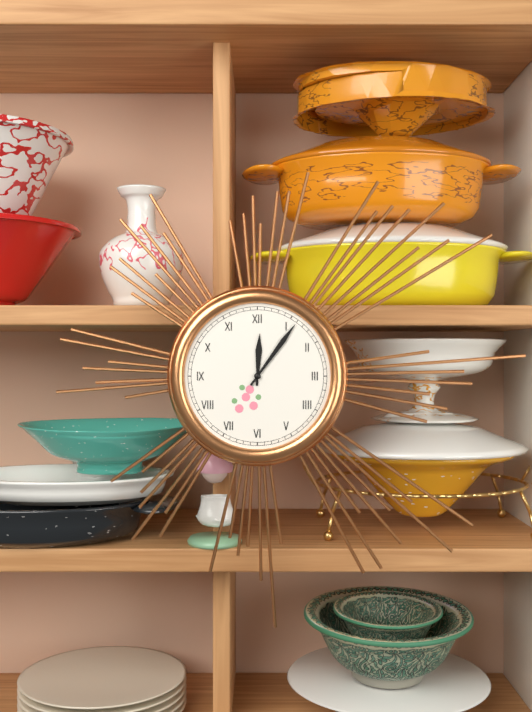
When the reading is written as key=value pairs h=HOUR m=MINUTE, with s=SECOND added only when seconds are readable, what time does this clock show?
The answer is h=12 m=6
